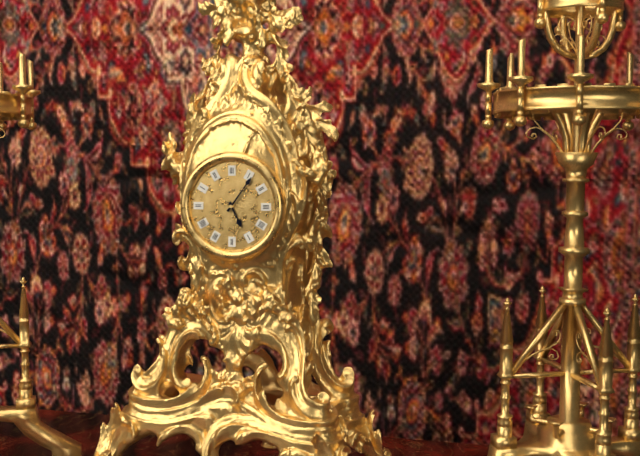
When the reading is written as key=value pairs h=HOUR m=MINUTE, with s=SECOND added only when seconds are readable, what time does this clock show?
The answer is h=5 m=6
